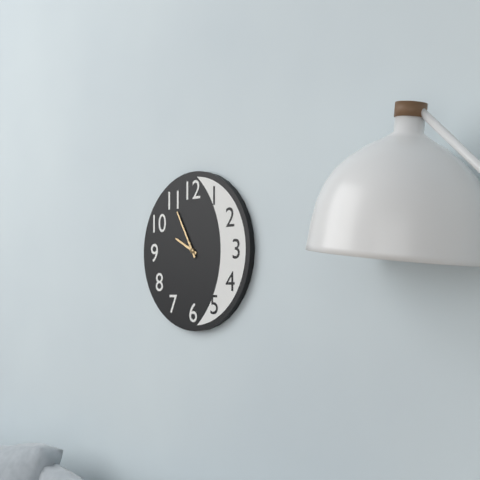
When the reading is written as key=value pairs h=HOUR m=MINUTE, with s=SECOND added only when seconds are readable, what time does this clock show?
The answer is h=9 m=55
